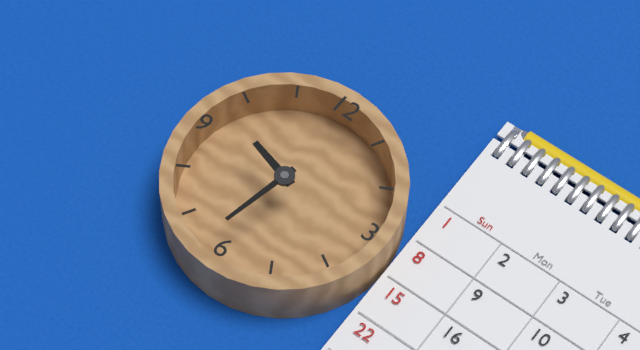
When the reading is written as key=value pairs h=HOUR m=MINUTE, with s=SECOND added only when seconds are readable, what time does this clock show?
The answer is h=9 m=32
